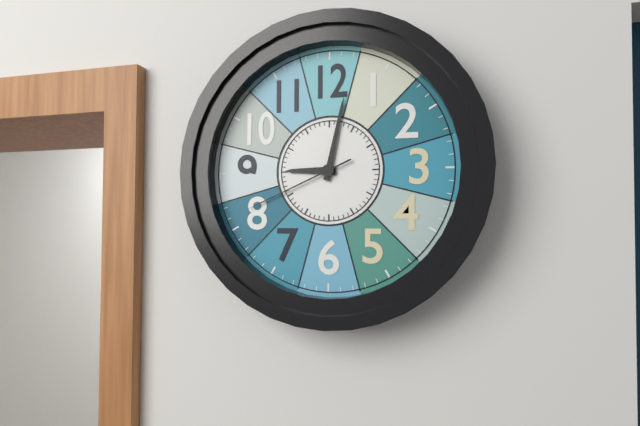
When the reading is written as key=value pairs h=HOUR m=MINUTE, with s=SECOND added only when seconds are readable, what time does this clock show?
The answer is h=9 m=2 s=41
